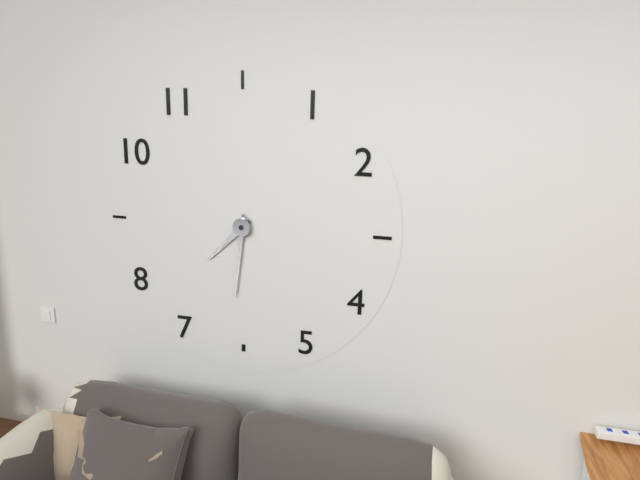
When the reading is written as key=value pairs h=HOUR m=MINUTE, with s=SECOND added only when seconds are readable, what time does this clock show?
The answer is h=7 m=31
